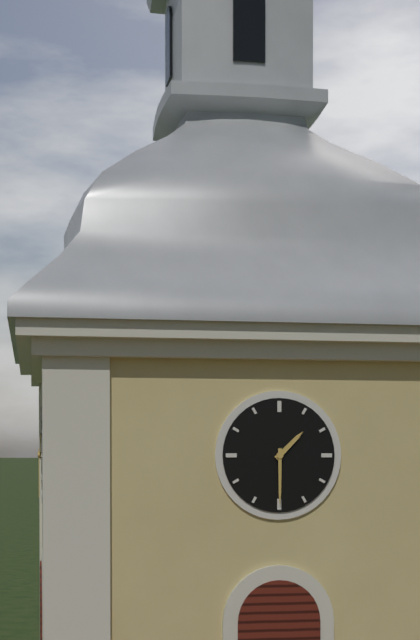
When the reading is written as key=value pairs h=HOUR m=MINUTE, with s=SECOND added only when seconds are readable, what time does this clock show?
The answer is h=1 m=30
